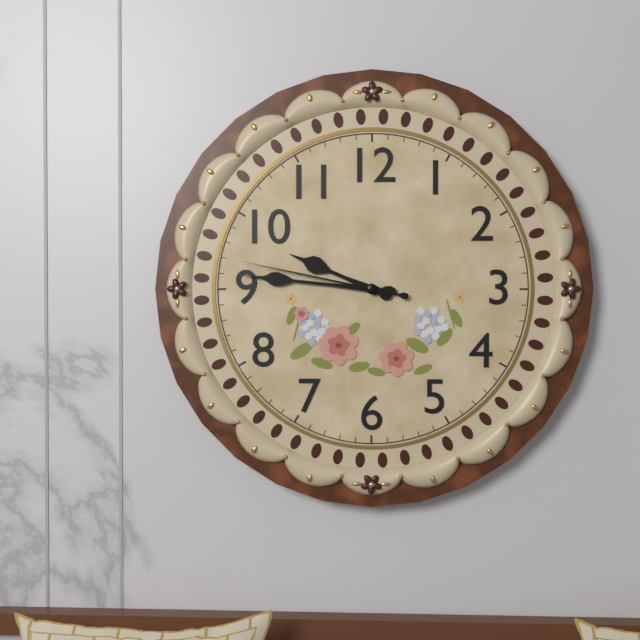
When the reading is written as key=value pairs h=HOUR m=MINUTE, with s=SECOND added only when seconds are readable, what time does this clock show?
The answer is h=9 m=46 s=47
